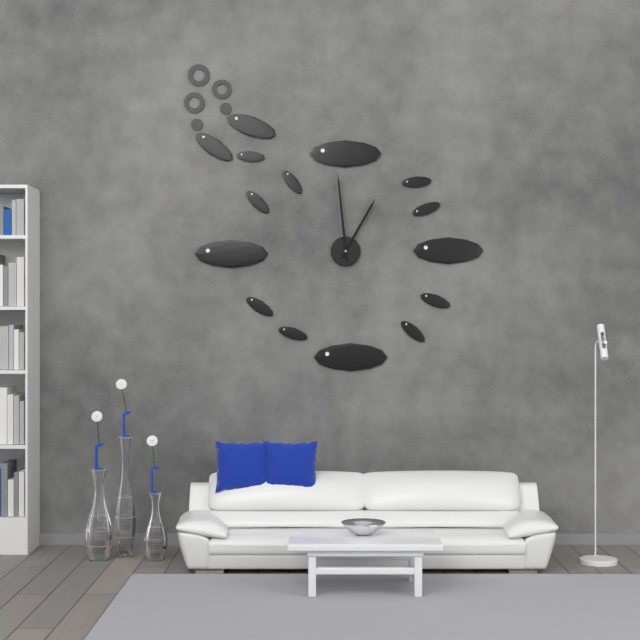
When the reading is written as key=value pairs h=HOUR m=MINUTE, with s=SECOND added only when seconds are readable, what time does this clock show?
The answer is h=12 m=59
